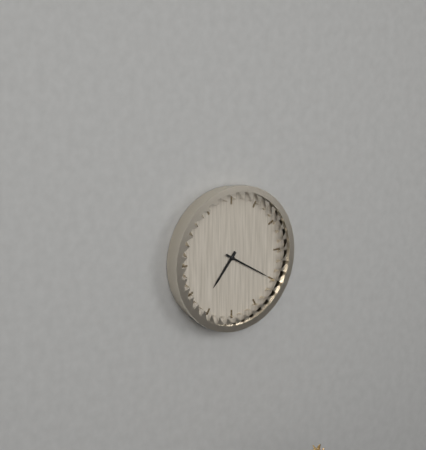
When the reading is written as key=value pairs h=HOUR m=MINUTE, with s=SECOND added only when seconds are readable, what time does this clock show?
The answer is h=7 m=20
